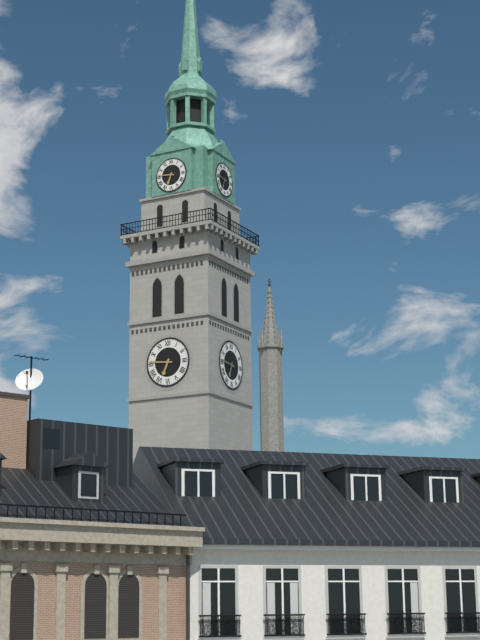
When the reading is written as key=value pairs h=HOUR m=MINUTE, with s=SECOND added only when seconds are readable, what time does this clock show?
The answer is h=6 m=46
